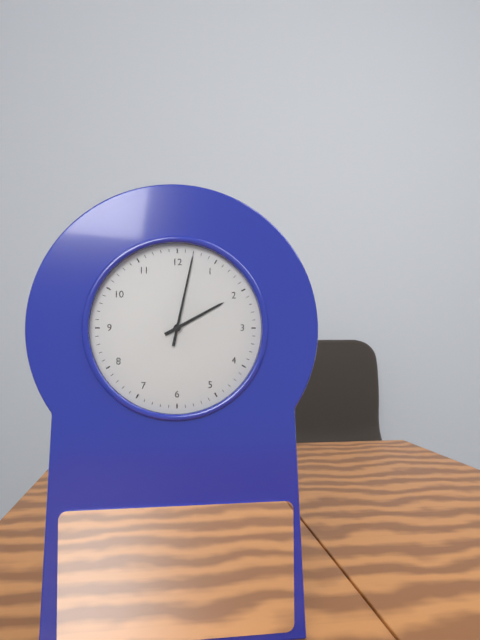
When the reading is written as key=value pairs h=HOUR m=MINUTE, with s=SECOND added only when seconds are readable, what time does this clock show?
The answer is h=2 m=2
